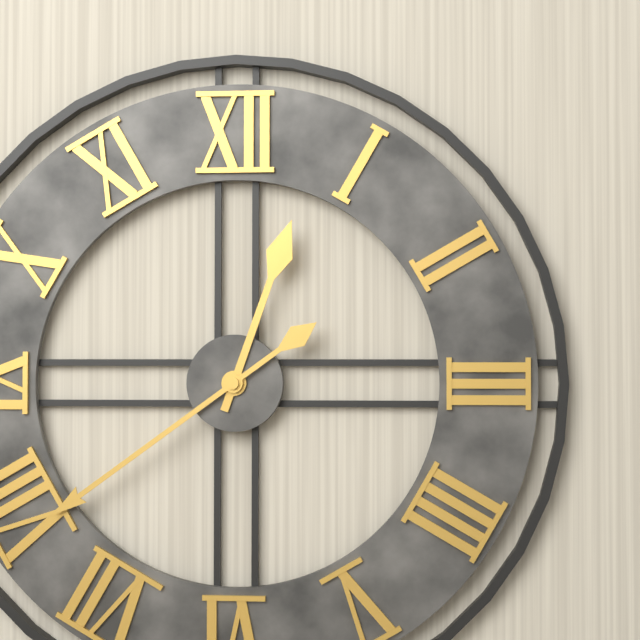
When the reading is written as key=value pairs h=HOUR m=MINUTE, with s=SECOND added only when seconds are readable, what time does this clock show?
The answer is h=12 m=39
